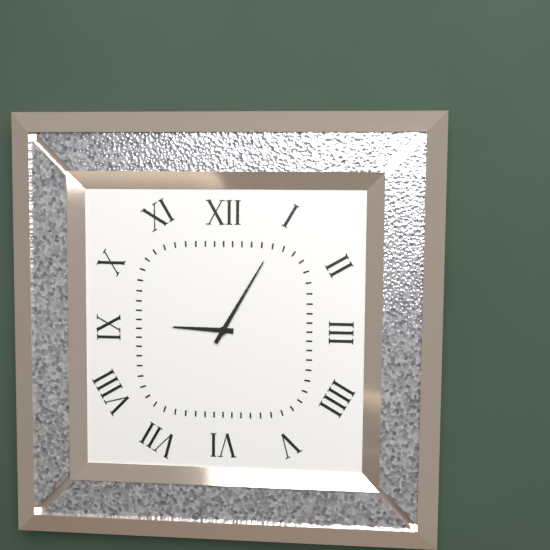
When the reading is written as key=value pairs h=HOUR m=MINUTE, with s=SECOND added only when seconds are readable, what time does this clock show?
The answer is h=9 m=5
